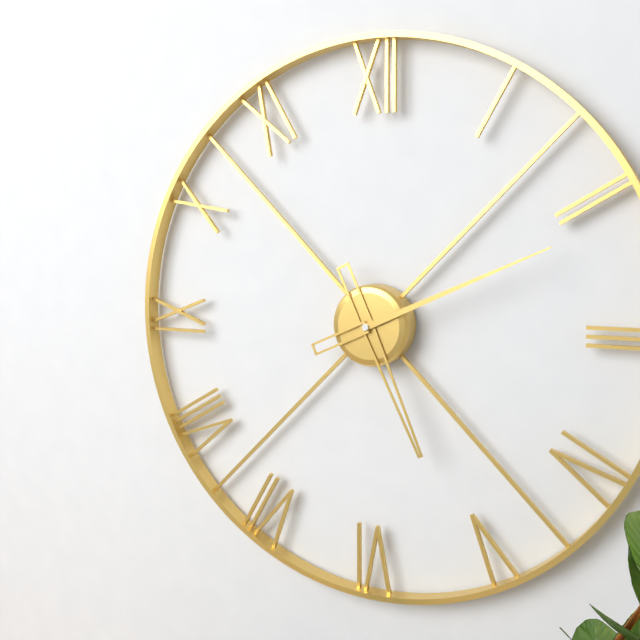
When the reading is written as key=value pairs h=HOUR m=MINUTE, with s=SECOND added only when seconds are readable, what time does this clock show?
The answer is h=5 m=11
